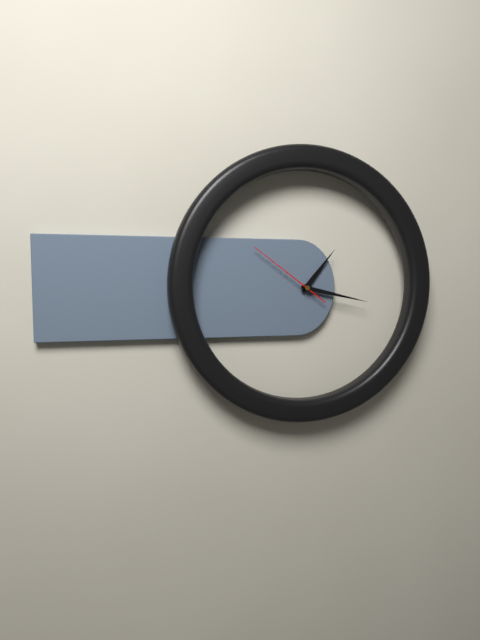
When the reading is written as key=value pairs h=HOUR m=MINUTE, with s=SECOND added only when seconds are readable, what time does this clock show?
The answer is h=1 m=17 s=51
